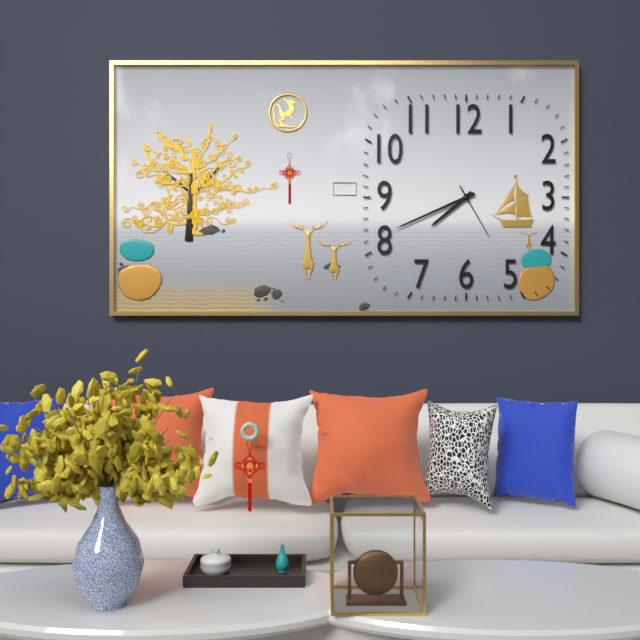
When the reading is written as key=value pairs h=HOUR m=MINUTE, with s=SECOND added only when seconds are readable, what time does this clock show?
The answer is h=7 m=41 s=25
